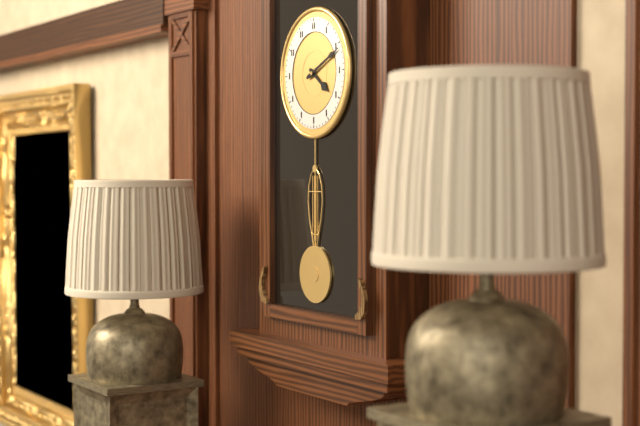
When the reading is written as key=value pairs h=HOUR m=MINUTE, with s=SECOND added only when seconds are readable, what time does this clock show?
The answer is h=4 m=11
